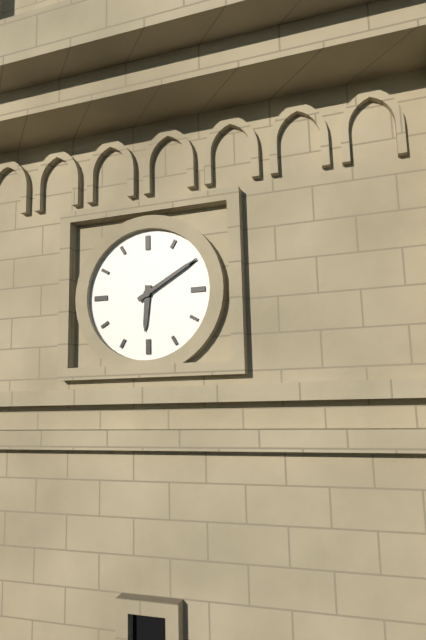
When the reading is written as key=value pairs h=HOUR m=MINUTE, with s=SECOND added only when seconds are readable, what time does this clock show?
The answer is h=6 m=10
